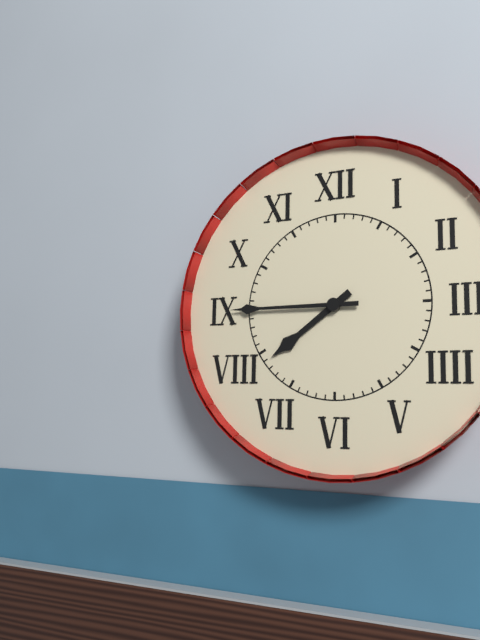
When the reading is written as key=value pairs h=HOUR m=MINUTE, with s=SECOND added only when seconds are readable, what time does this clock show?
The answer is h=7 m=45
